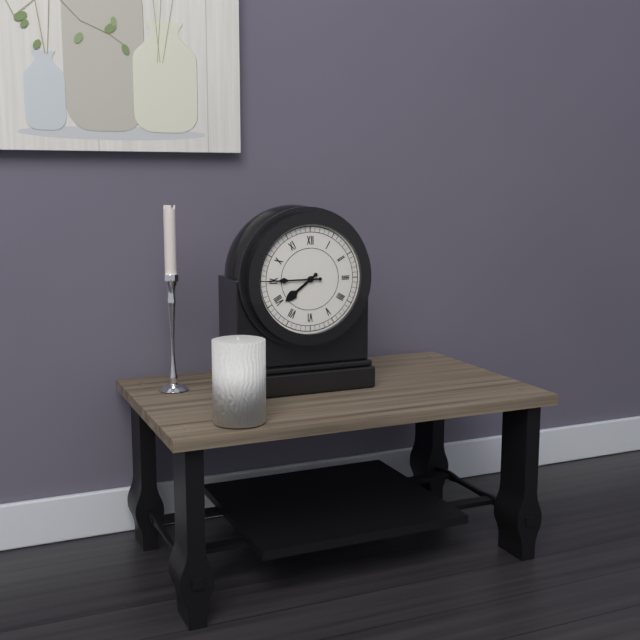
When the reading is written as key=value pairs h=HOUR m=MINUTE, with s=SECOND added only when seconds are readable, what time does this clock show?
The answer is h=7 m=45
